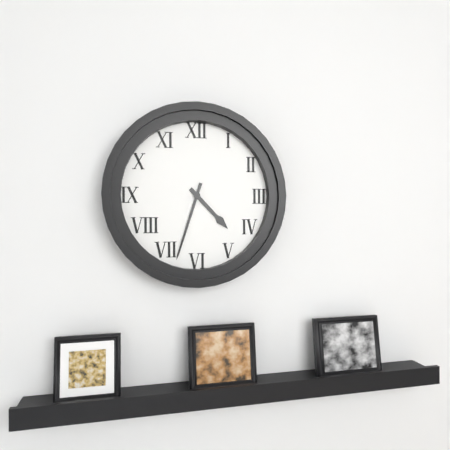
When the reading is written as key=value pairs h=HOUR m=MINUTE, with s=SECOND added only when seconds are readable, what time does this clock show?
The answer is h=4 m=33
